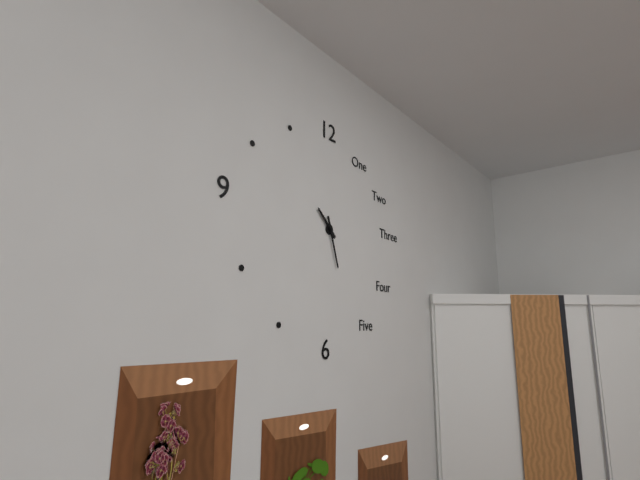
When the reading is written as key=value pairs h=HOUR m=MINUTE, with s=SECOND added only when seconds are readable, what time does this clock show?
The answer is h=10 m=27
